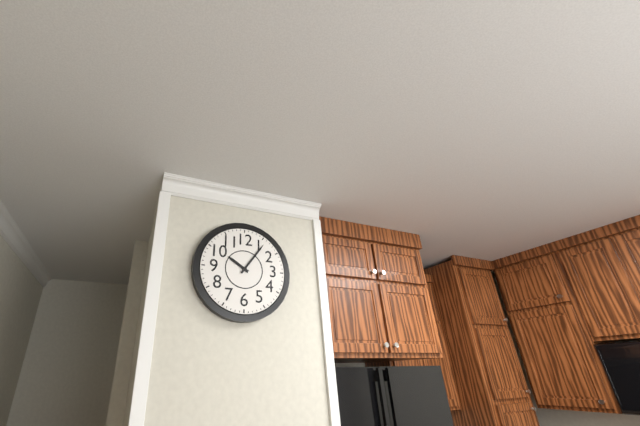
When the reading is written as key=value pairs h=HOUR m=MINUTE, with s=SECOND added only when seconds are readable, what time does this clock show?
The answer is h=10 m=6
